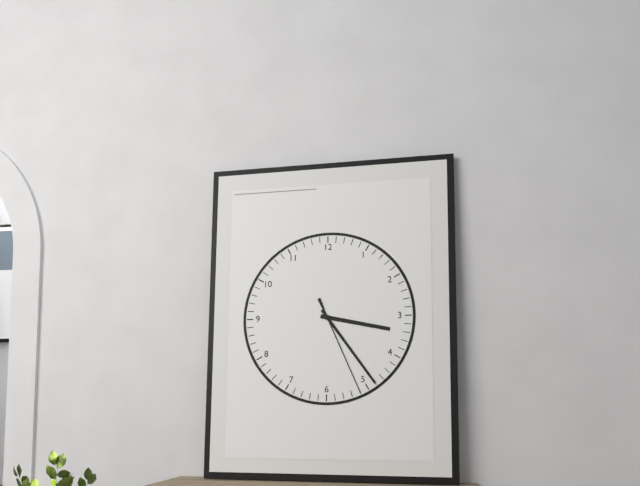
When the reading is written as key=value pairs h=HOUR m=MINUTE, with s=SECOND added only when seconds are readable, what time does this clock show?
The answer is h=3 m=24 s=26
